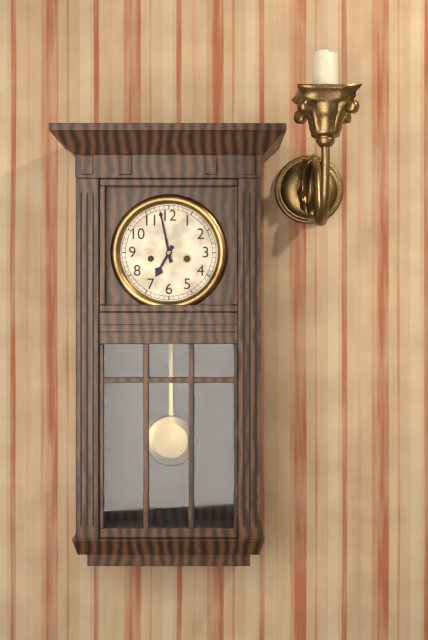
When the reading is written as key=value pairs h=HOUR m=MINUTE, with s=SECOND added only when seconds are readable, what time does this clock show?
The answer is h=6 m=58
